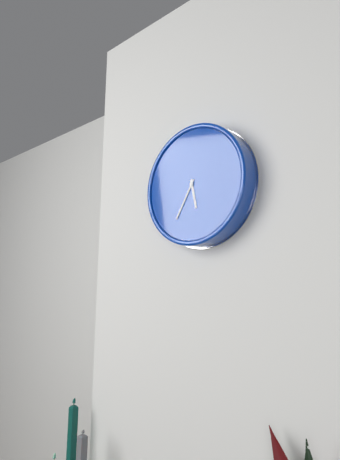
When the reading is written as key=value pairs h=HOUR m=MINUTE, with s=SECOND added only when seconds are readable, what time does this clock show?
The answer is h=5 m=35
